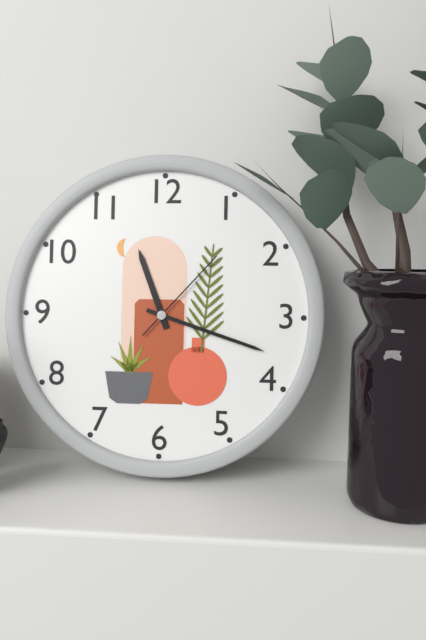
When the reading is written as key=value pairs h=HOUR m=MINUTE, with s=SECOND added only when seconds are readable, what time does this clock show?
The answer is h=11 m=18 s=7
